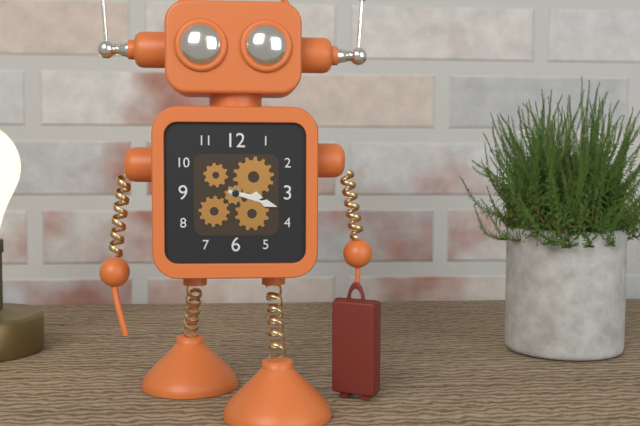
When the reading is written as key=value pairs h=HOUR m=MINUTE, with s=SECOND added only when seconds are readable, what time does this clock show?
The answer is h=3 m=18
